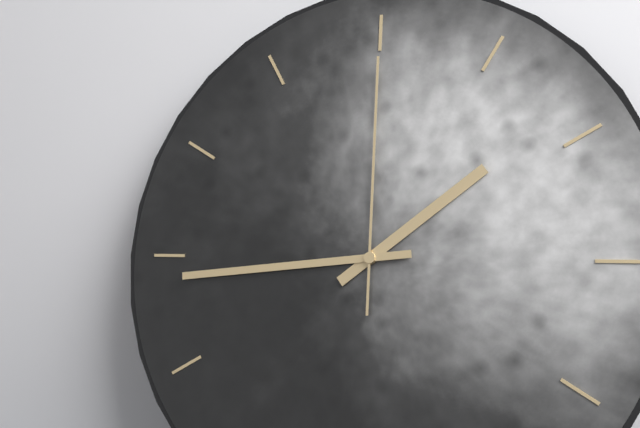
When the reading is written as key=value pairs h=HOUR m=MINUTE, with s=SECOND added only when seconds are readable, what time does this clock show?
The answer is h=1 m=44 s=0
